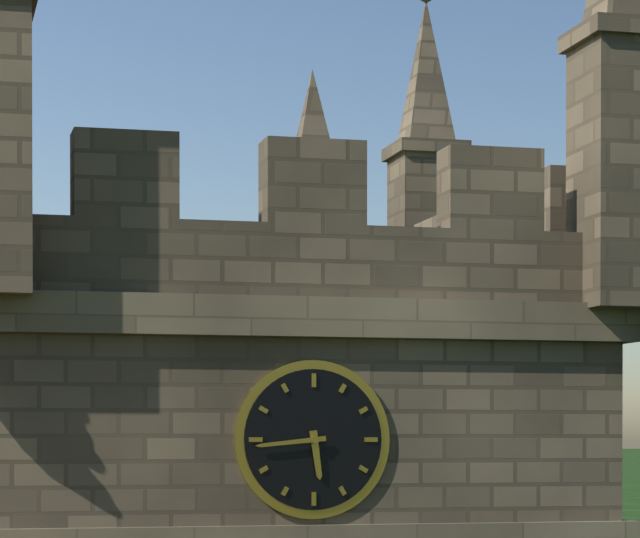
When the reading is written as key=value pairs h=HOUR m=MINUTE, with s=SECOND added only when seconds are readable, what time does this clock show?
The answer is h=5 m=44
